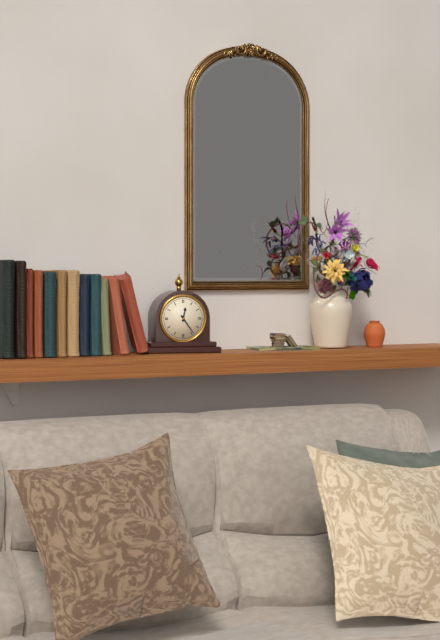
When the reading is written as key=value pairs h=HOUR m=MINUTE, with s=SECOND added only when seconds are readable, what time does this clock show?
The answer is h=12 m=24
